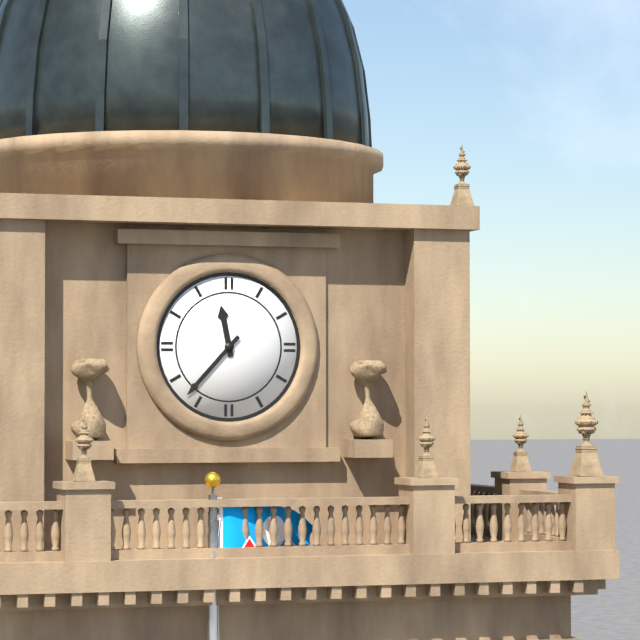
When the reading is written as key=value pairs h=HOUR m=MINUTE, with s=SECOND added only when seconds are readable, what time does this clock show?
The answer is h=11 m=37
